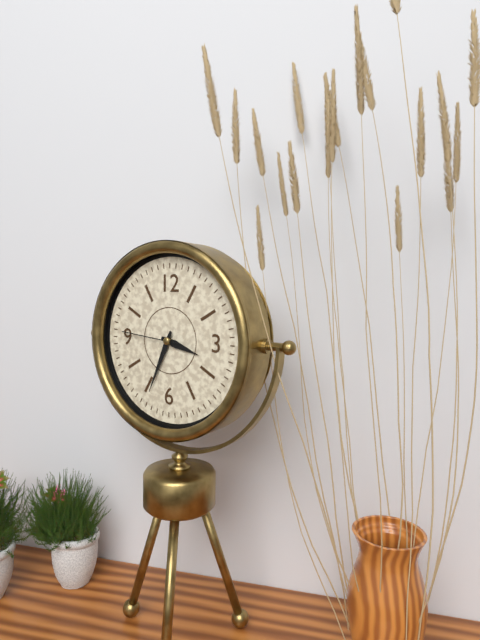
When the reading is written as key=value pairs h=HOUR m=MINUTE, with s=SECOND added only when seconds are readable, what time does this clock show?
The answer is h=3 m=34 s=46
